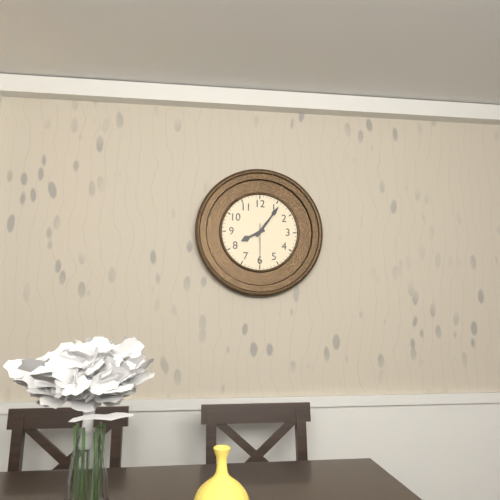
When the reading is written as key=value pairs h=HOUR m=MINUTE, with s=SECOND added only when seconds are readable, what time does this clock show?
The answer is h=8 m=6
